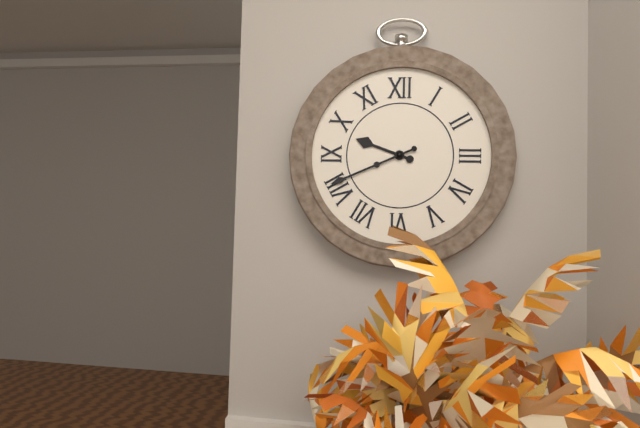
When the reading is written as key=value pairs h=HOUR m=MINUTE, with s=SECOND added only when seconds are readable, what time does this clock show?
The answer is h=9 m=41
